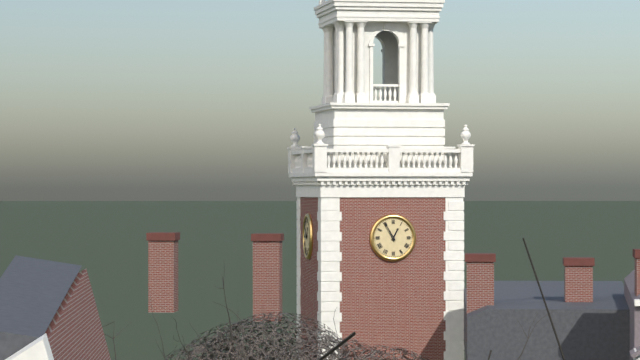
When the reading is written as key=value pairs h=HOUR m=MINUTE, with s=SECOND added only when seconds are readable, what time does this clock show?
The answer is h=12 m=55
